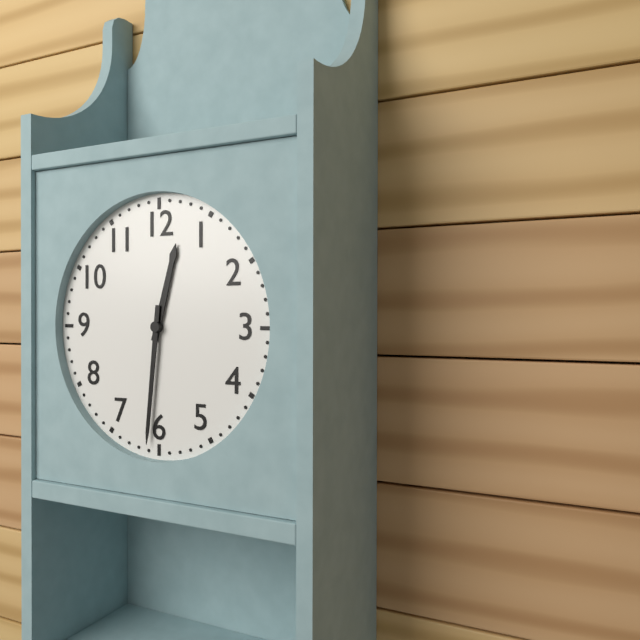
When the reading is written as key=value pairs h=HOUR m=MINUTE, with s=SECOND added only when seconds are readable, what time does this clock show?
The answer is h=12 m=31
